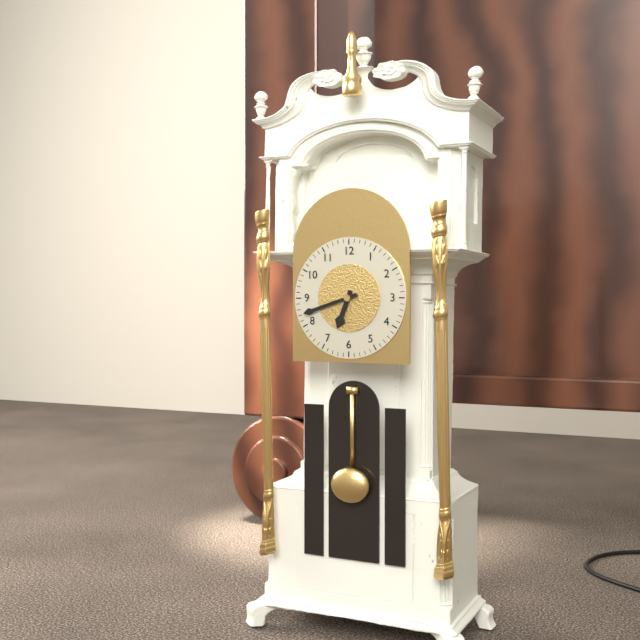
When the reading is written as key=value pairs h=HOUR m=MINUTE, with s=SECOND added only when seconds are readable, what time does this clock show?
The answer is h=6 m=42
